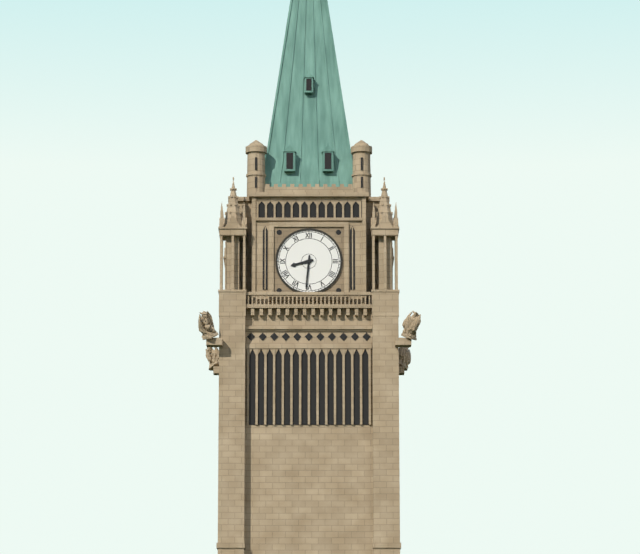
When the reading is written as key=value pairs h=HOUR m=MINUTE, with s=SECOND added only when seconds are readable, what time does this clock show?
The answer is h=8 m=31
